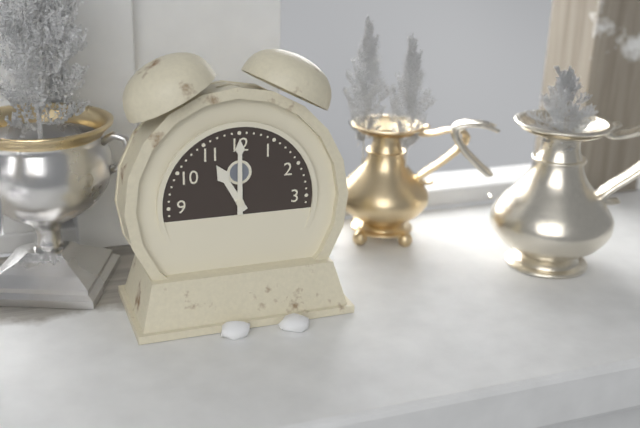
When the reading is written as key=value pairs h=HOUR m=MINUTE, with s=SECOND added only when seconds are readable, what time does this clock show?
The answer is h=11 m=0
